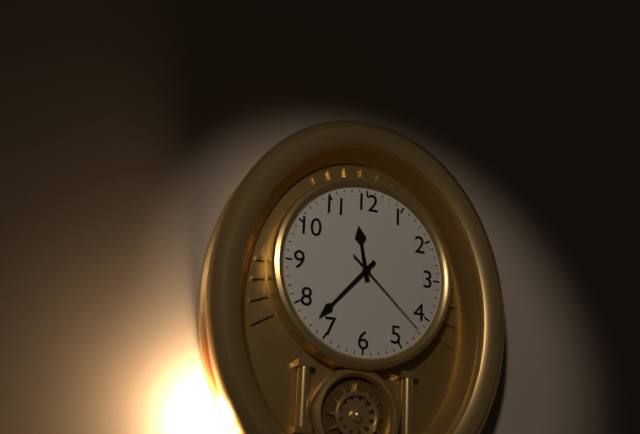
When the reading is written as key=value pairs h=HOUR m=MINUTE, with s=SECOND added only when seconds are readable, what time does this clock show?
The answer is h=11 m=37 s=22
